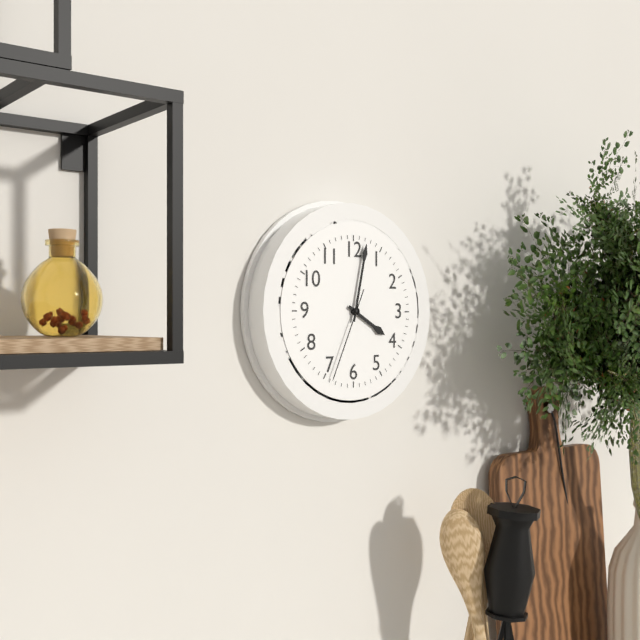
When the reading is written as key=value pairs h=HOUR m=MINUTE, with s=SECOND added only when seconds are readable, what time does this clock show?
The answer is h=4 m=2 s=34
